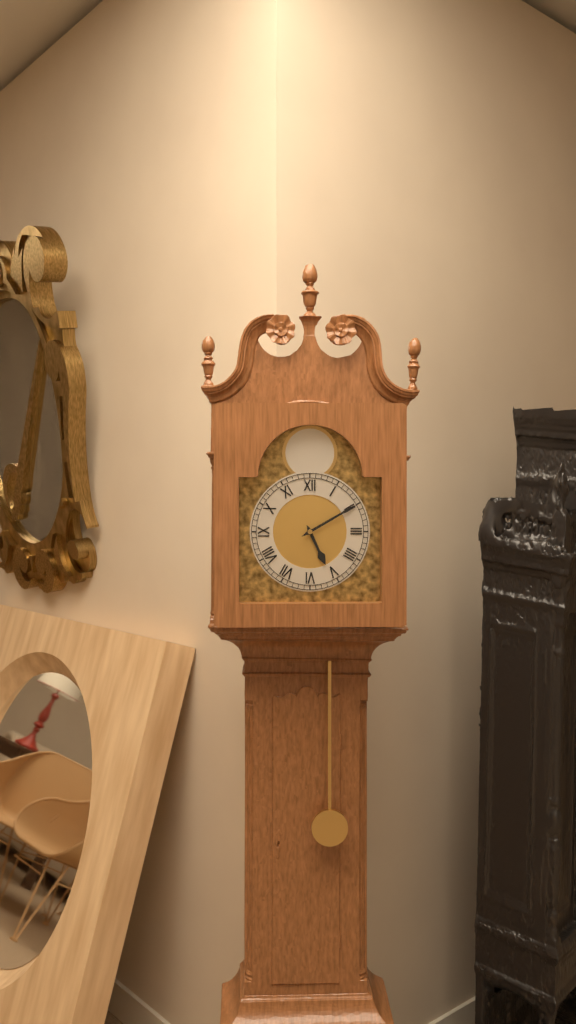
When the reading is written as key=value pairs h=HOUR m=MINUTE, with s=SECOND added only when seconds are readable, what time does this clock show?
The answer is h=5 m=10
